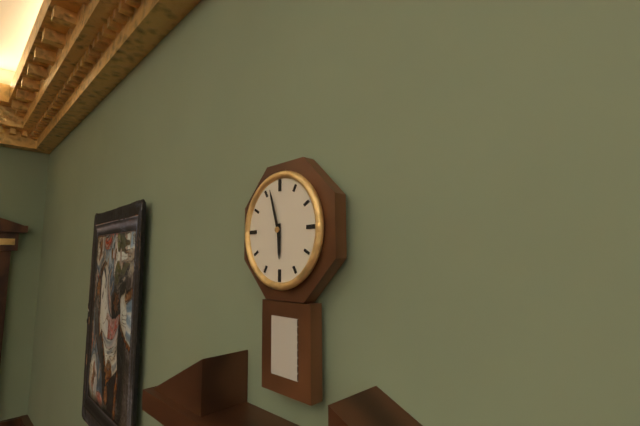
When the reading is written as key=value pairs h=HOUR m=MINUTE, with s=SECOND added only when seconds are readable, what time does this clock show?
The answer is h=5 m=57
